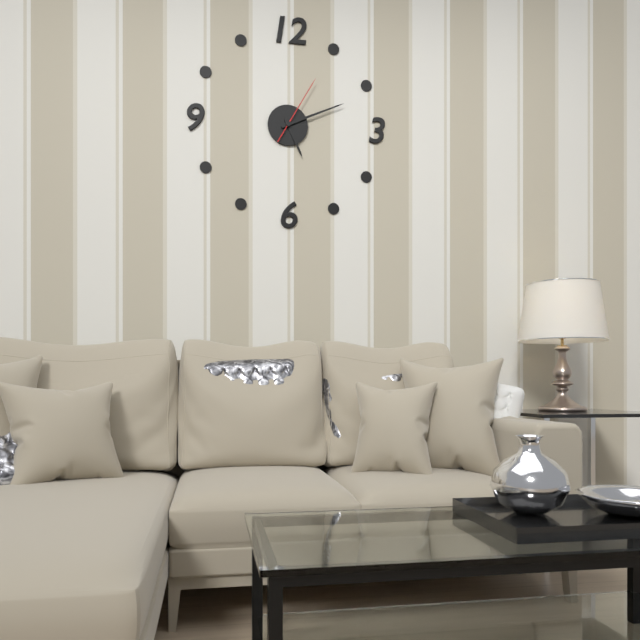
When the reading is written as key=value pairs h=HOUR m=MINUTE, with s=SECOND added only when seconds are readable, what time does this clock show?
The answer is h=5 m=11 s=5
